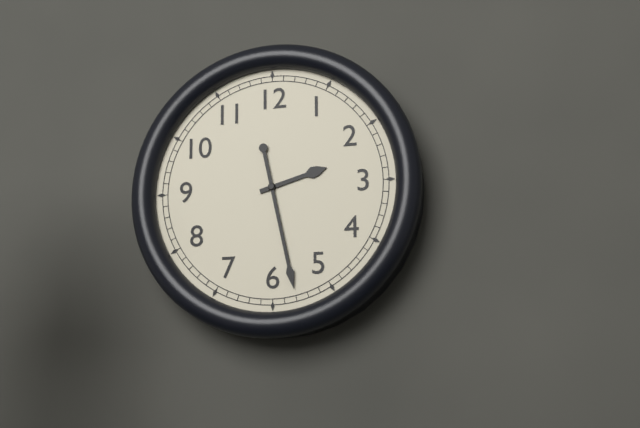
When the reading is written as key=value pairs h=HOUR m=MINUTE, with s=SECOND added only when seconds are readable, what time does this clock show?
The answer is h=2 m=28
